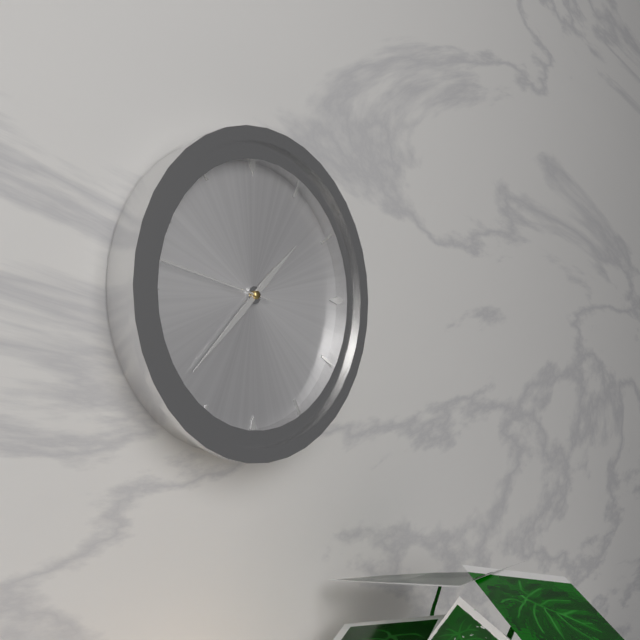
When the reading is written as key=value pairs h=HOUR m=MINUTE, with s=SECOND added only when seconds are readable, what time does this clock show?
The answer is h=1 m=38 s=47
